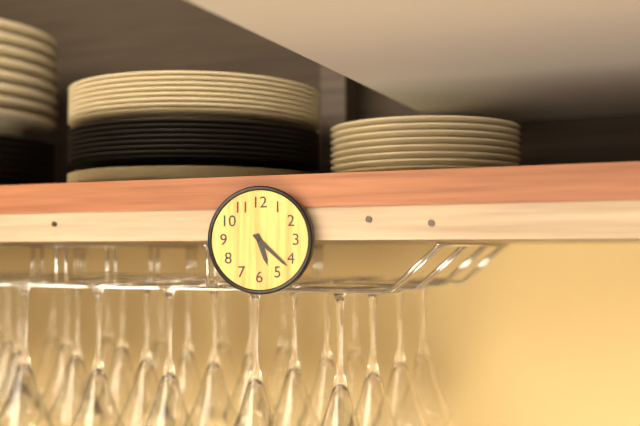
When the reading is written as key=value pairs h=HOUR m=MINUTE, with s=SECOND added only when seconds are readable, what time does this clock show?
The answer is h=5 m=22
